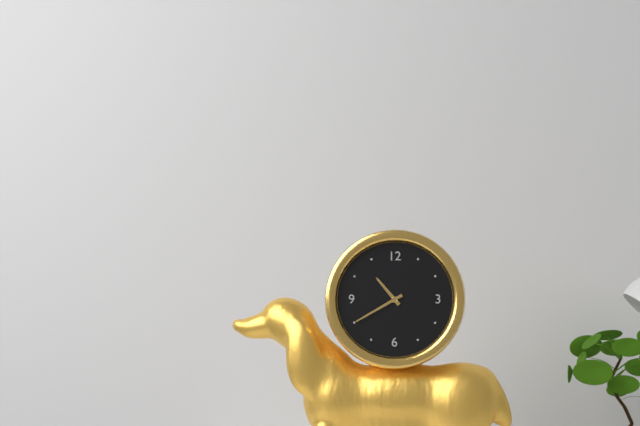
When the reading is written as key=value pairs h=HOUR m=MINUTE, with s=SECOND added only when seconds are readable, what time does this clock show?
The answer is h=10 m=40
